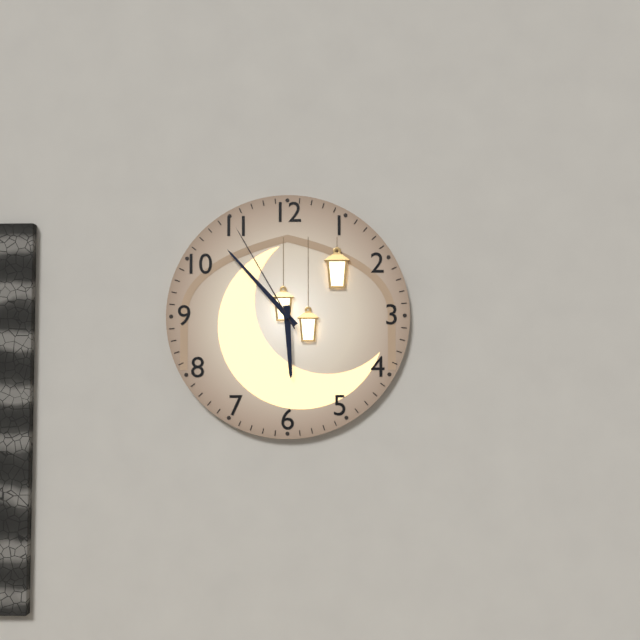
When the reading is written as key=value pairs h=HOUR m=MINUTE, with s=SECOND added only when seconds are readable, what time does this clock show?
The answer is h=5 m=53 s=55
